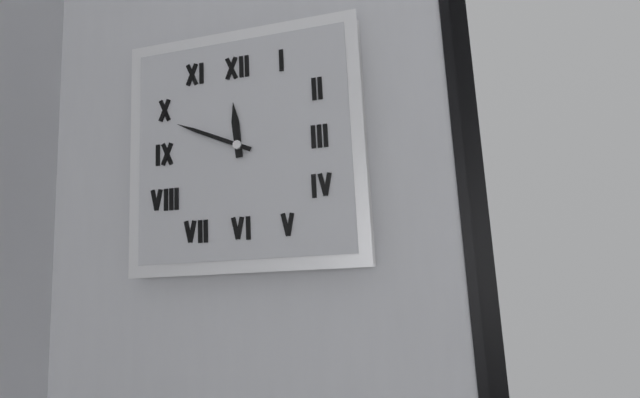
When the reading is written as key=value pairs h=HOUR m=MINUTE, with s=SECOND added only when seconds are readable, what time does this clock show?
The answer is h=11 m=49
